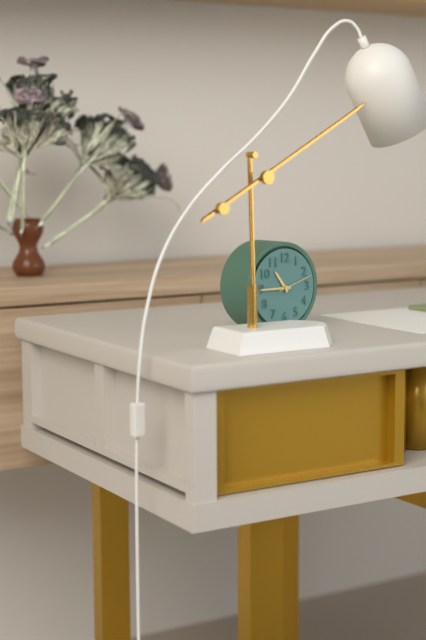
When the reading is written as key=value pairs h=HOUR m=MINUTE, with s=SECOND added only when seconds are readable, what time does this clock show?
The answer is h=10 m=45
